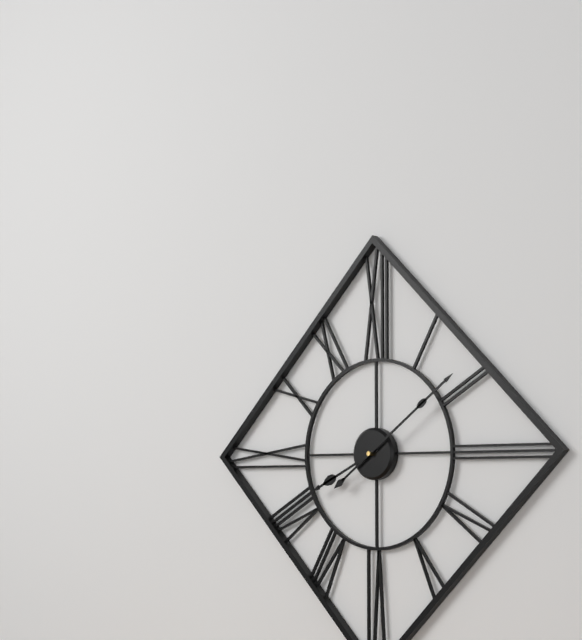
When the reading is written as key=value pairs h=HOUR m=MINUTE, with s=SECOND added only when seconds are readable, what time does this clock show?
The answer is h=8 m=9
